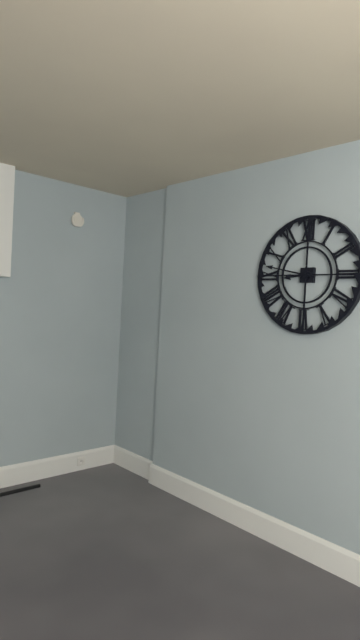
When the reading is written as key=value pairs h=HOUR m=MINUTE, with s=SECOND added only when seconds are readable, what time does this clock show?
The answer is h=8 m=47
